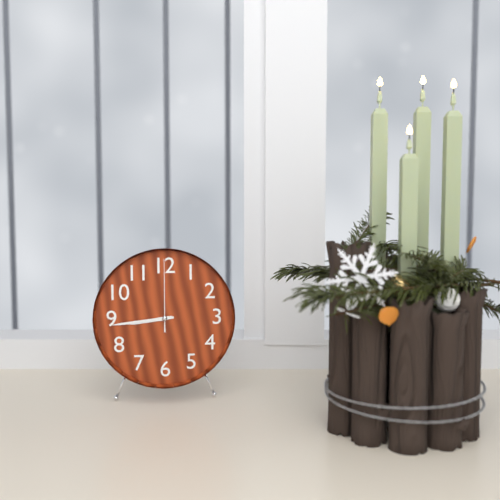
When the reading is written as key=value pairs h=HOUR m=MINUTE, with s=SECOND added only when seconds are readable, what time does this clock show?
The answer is h=8 m=44 s=0
